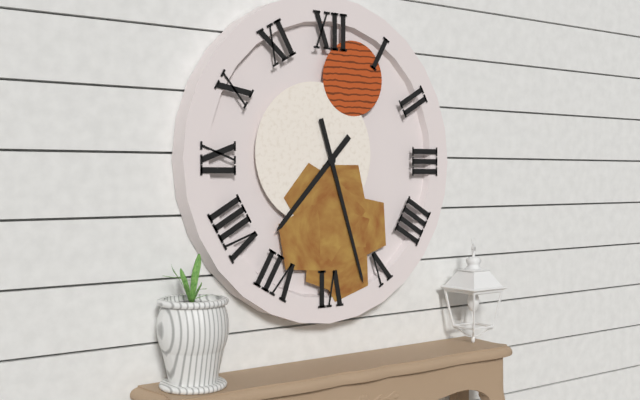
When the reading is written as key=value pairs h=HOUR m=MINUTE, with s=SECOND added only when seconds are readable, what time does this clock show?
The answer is h=7 m=27
